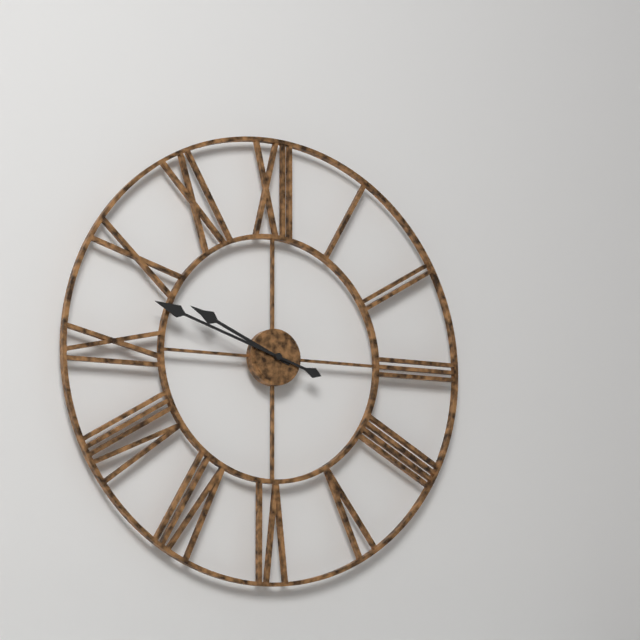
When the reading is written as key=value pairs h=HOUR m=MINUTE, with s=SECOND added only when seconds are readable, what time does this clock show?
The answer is h=9 m=48
